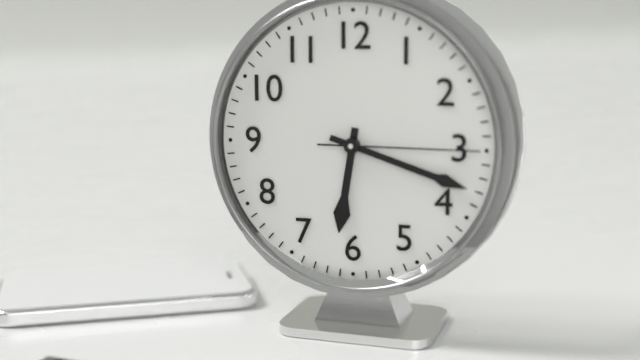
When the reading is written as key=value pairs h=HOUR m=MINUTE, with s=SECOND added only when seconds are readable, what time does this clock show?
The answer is h=6 m=18 s=15
